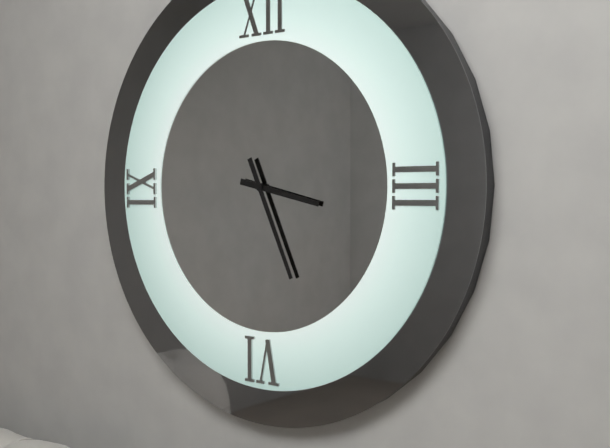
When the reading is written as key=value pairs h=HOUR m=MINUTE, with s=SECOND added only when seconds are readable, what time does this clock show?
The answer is h=3 m=26
